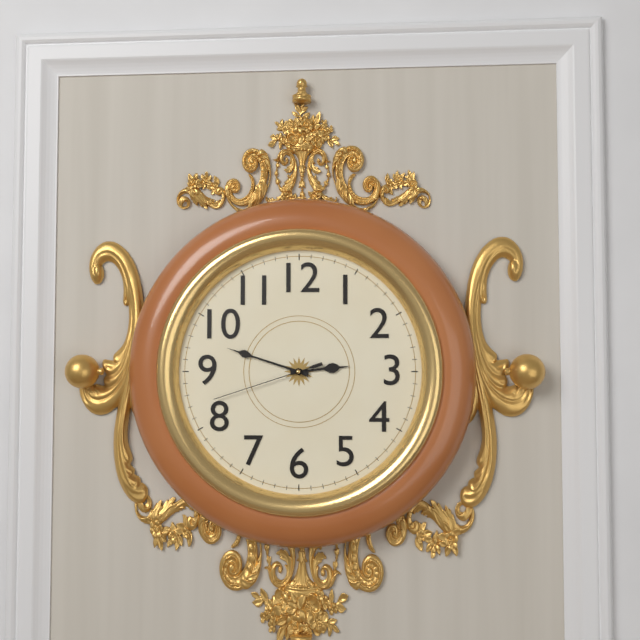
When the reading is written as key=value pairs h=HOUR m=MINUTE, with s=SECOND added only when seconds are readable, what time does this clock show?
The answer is h=2 m=48 s=42
